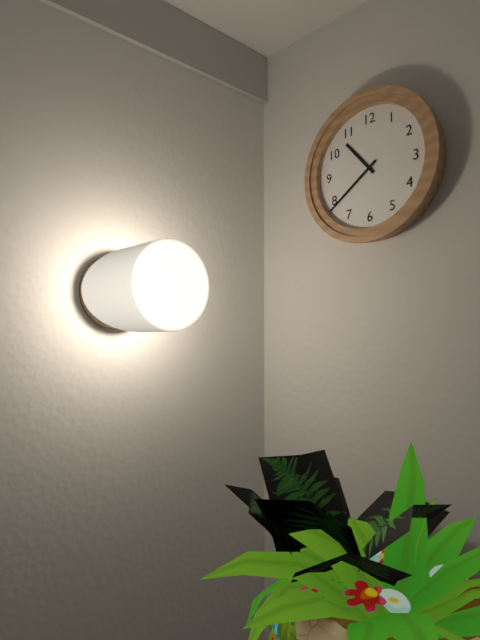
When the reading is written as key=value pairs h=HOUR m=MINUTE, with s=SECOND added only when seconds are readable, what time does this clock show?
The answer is h=10 m=39
